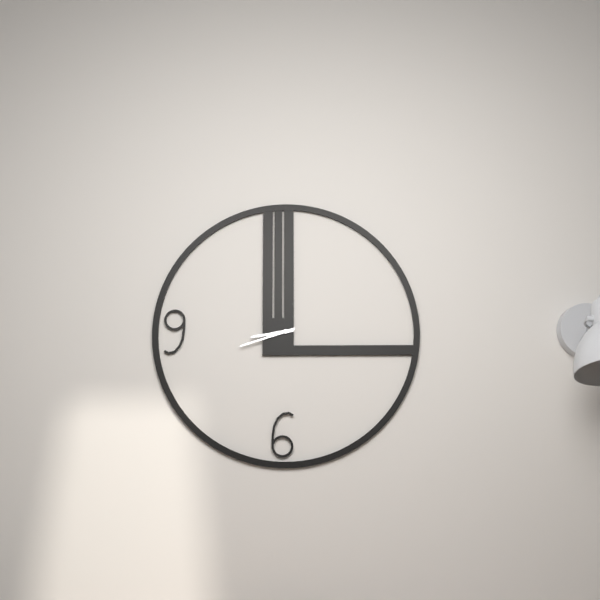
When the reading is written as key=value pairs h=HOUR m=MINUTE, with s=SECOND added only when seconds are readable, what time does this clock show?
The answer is h=8 m=42
